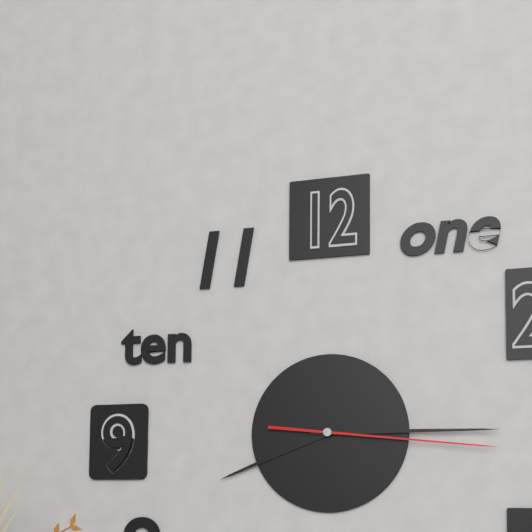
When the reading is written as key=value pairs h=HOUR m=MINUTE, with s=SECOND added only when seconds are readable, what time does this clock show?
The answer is h=8 m=15 s=16
